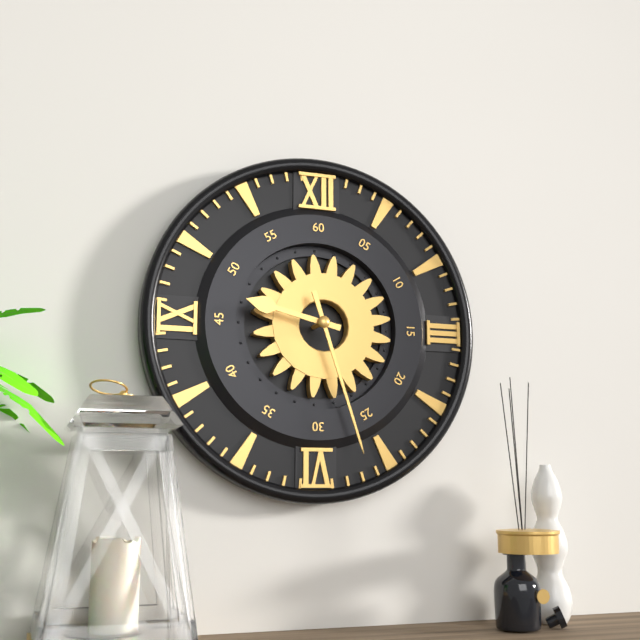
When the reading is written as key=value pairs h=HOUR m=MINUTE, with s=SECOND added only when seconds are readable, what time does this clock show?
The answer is h=9 m=27
